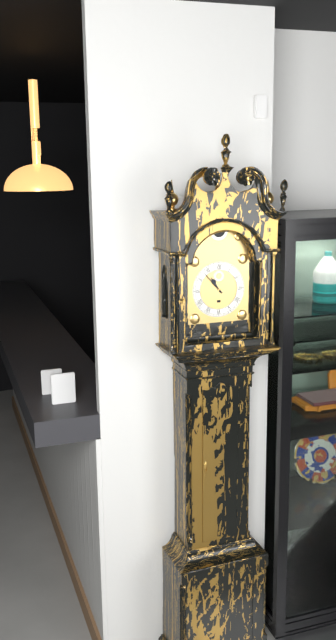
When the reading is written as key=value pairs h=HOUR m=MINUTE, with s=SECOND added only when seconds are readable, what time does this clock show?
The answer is h=10 m=53
